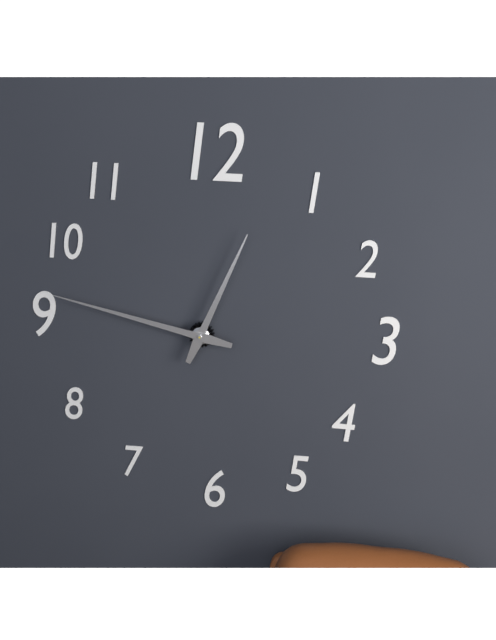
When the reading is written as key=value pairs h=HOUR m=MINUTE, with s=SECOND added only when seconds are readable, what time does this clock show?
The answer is h=12 m=47
